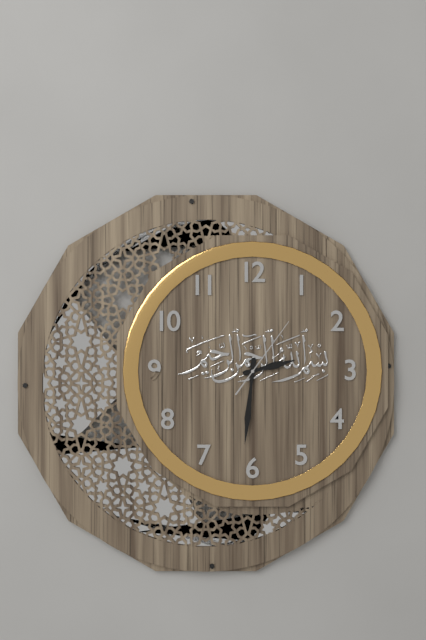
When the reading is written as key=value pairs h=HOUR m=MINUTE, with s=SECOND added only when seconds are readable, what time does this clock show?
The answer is h=2 m=31 s=6
